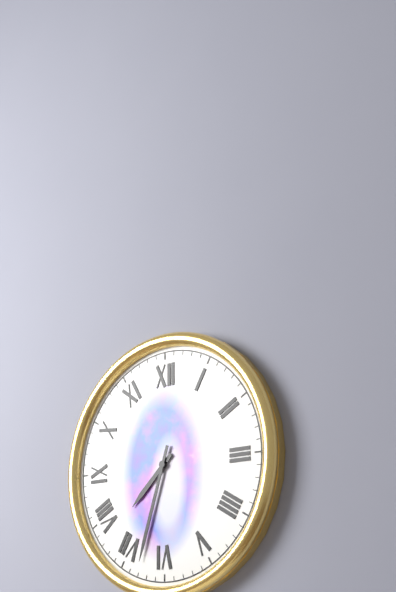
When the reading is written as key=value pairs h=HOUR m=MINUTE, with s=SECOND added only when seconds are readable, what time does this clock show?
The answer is h=7 m=33
